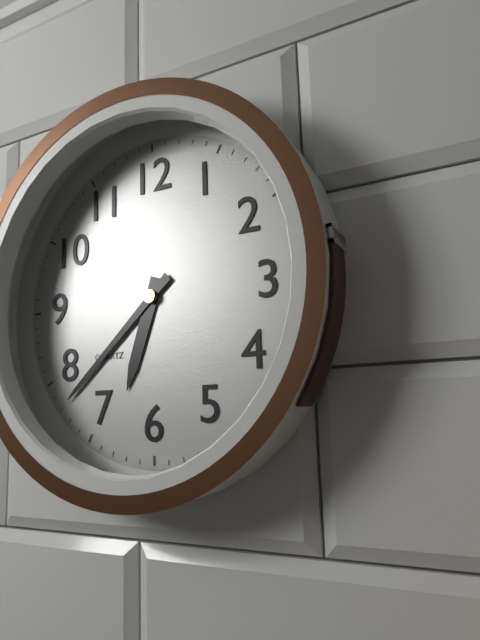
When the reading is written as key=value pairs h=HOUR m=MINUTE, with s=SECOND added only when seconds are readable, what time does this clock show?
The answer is h=6 m=38
